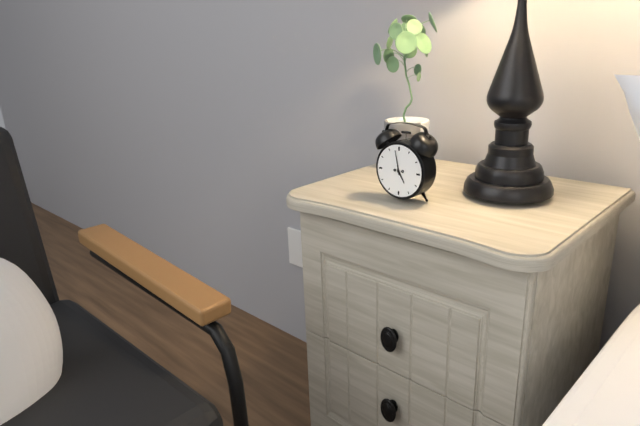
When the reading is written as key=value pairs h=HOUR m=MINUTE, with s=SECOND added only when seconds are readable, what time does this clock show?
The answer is h=4 m=58
